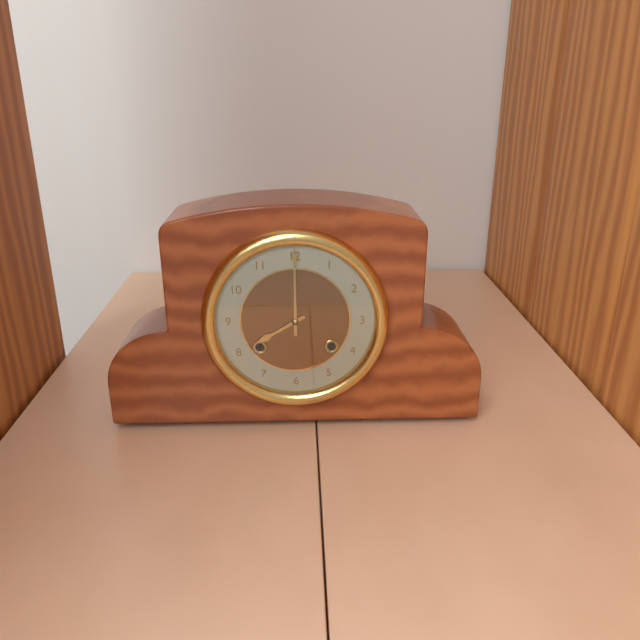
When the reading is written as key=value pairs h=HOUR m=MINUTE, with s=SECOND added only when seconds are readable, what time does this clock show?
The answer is h=8 m=0
